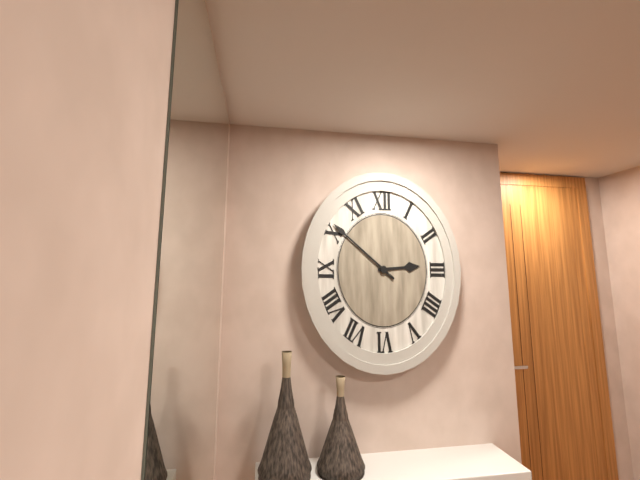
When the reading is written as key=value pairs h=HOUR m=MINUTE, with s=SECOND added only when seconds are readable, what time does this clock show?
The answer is h=2 m=51
